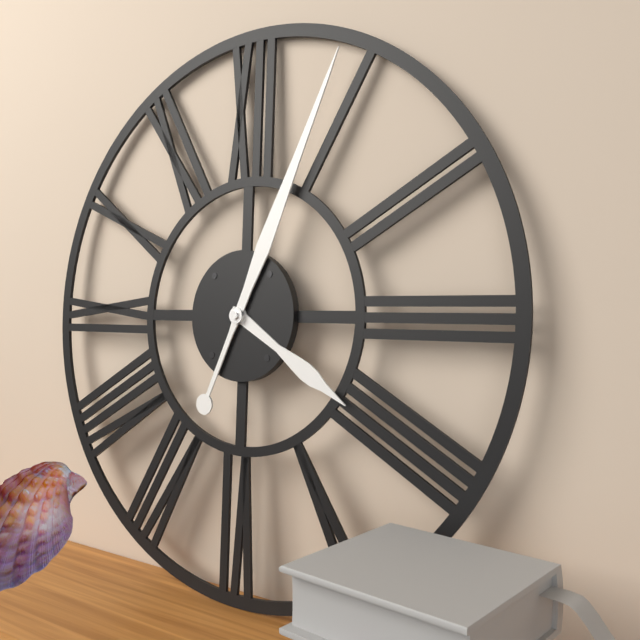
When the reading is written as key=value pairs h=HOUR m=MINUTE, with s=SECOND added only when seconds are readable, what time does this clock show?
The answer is h=4 m=4
